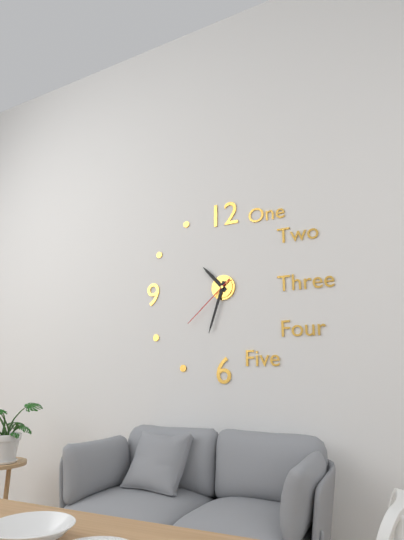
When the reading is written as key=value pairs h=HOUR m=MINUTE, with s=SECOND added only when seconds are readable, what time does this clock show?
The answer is h=10 m=33 s=38
